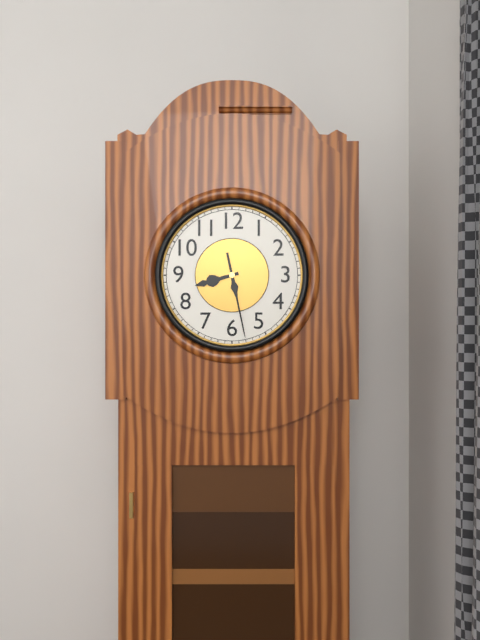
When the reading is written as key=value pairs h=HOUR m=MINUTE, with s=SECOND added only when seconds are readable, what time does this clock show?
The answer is h=8 m=28
